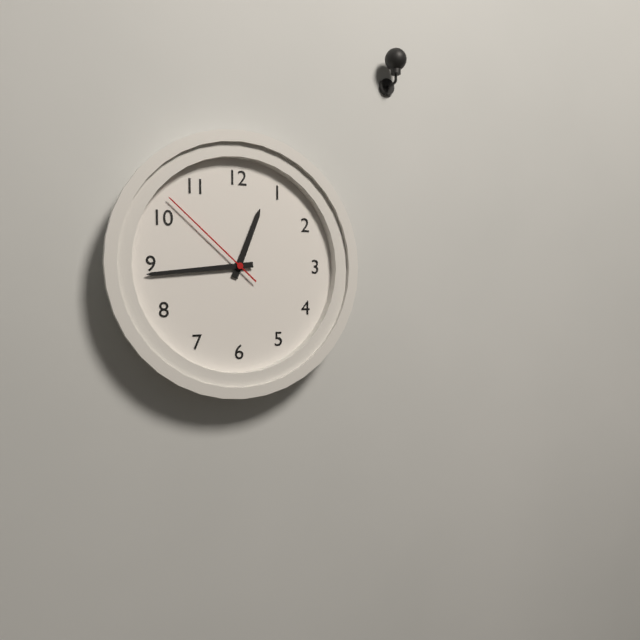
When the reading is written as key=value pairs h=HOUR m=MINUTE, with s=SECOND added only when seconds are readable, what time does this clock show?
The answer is h=12 m=44 s=52
